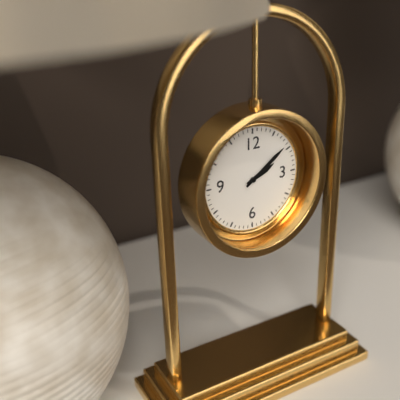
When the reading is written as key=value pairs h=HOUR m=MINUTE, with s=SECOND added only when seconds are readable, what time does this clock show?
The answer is h=2 m=9
